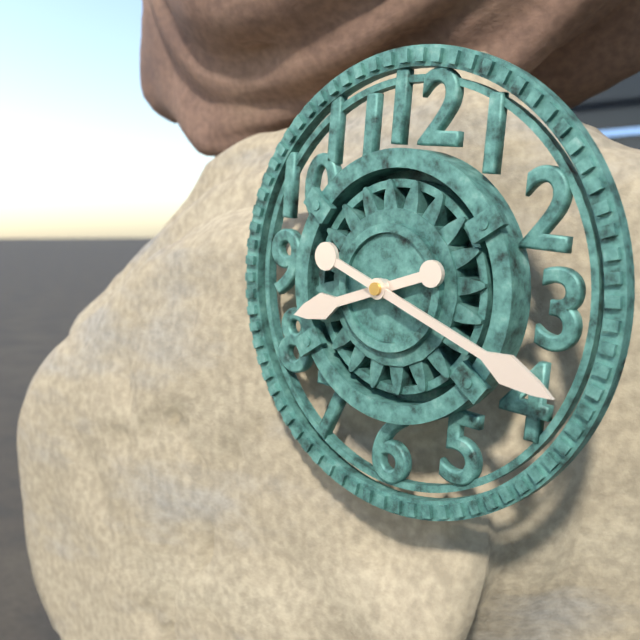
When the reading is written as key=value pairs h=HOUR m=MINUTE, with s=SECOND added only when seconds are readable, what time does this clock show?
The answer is h=8 m=18
